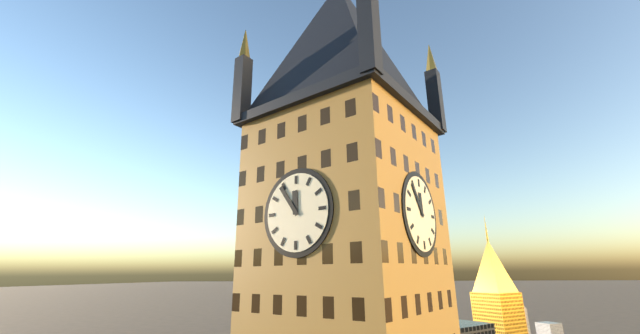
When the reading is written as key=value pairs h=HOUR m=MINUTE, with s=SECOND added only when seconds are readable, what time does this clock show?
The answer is h=11 m=54
